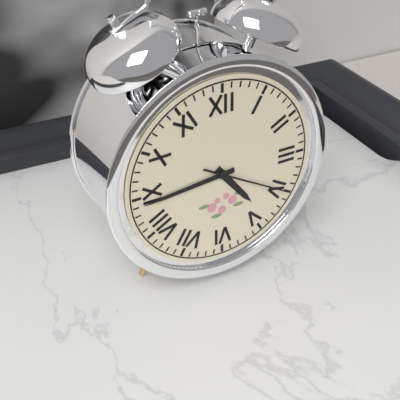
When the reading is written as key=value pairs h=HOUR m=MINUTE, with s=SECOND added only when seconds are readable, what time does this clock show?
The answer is h=4 m=44 s=20
